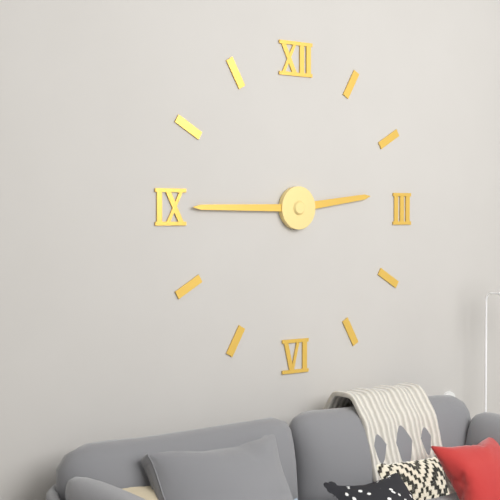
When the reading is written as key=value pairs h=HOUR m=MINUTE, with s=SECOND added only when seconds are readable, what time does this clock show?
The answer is h=2 m=45
